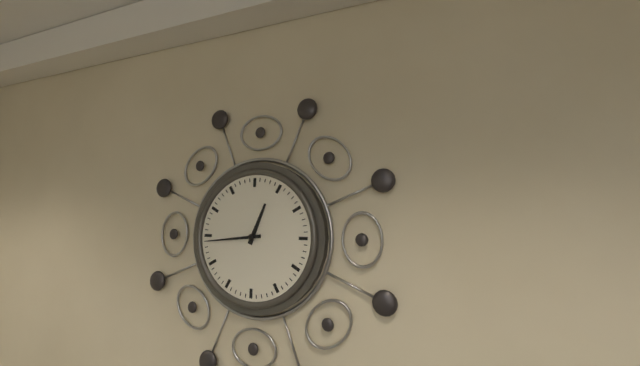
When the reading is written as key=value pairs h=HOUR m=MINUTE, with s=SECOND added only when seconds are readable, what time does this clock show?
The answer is h=12 m=44
